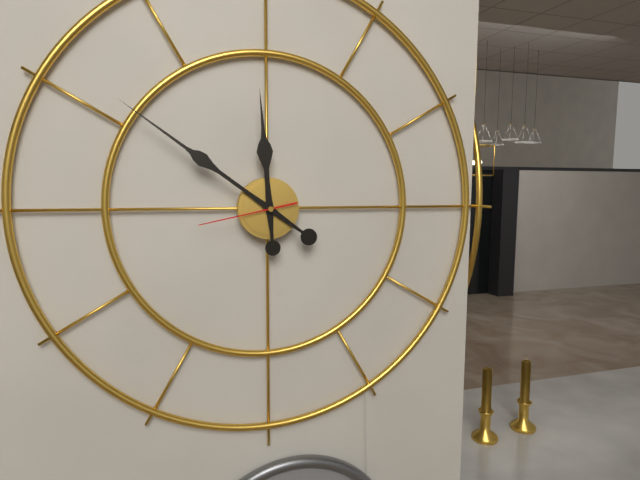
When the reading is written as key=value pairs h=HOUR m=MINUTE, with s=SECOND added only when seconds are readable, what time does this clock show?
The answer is h=11 m=51 s=43
